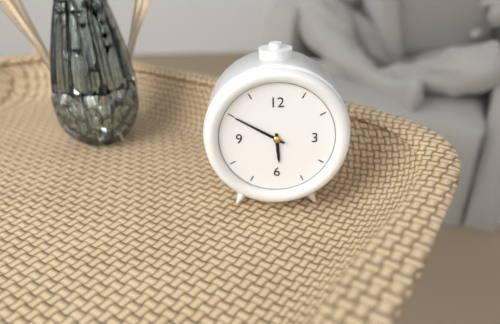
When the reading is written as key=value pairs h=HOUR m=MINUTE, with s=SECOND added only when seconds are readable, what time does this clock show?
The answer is h=5 m=50
